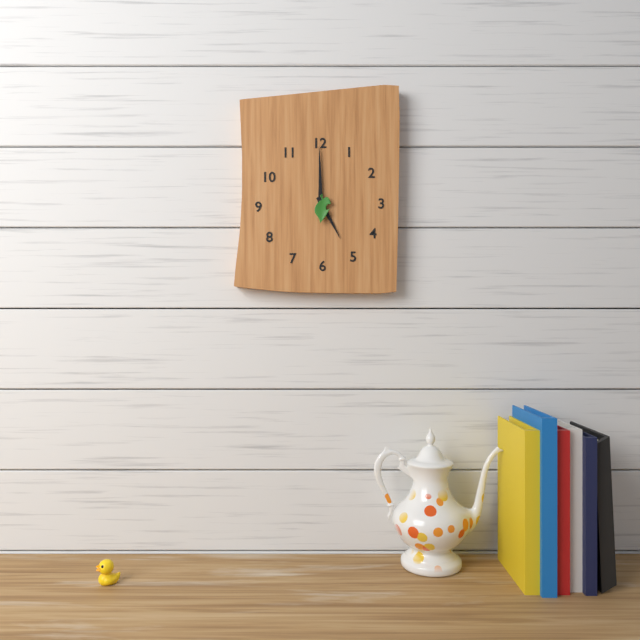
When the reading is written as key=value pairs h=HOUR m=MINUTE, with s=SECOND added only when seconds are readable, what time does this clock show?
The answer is h=5 m=0
